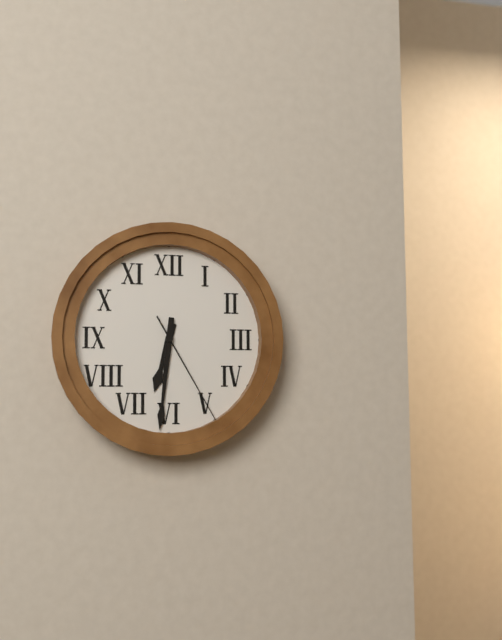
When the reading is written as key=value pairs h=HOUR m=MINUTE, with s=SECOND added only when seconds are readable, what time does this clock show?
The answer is h=6 m=31 s=25
